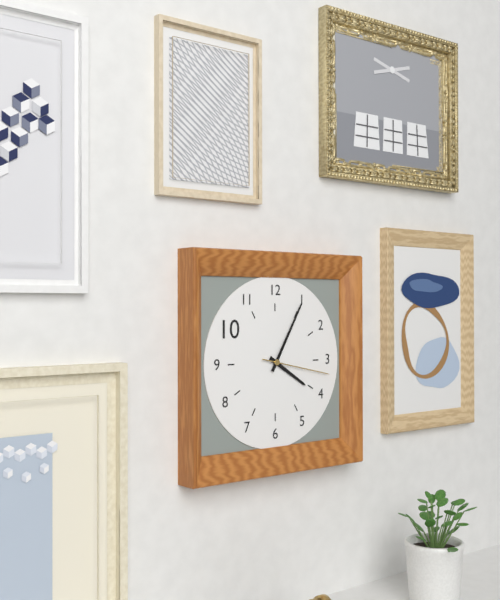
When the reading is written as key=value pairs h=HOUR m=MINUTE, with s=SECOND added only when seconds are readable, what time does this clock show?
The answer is h=4 m=5 s=17
